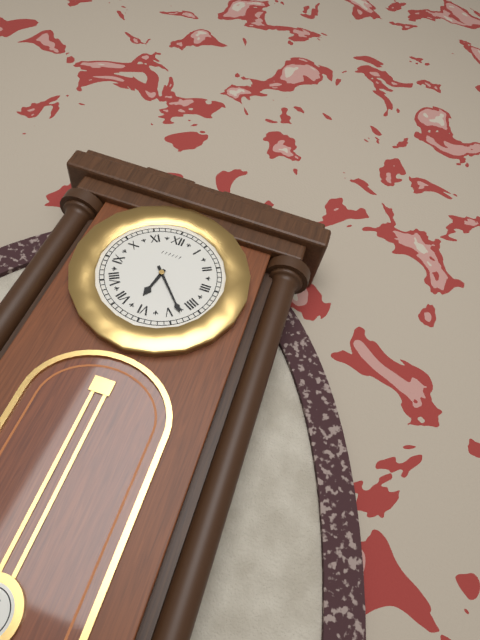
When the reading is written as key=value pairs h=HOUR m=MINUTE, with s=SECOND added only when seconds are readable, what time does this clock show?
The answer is h=6 m=23
